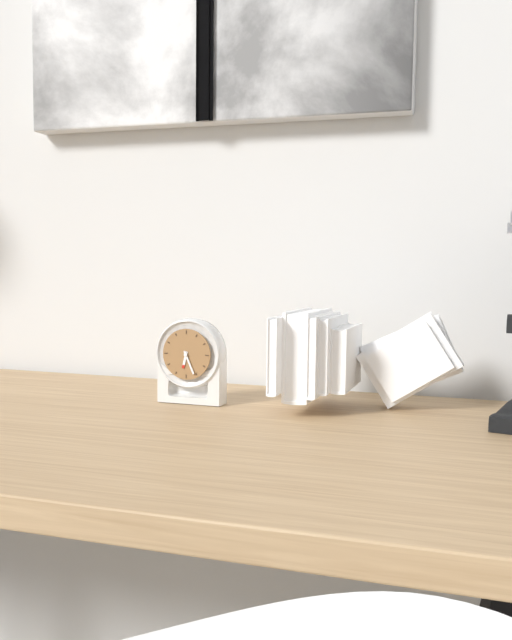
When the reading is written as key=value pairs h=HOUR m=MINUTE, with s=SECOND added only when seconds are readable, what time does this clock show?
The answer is h=6 m=26
